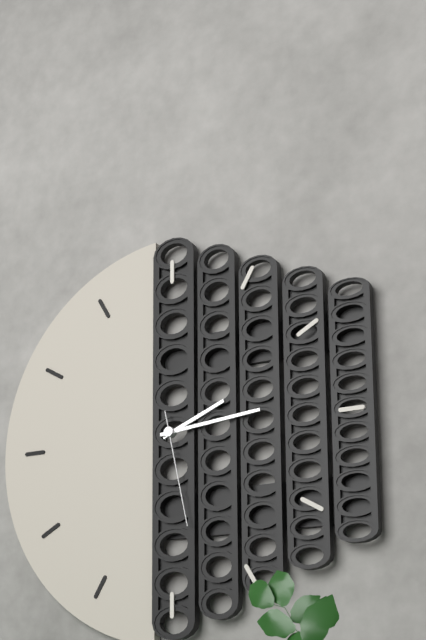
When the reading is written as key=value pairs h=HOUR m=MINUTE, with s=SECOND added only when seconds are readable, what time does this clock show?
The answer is h=2 m=14 s=28
